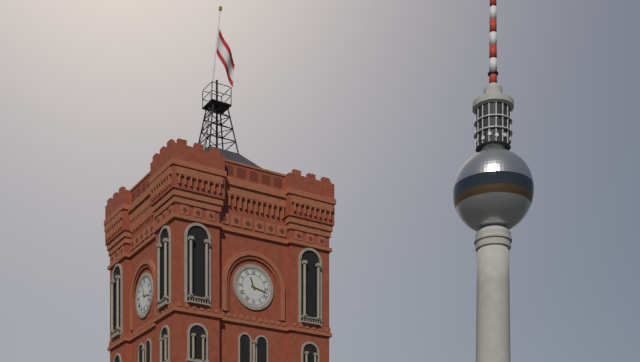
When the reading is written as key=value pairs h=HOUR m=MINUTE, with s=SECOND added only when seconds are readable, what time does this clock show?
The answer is h=11 m=17
